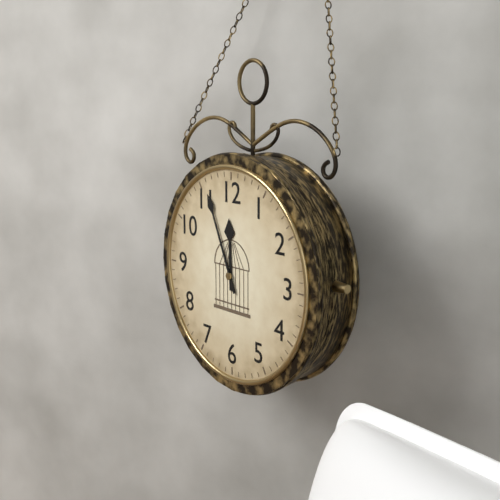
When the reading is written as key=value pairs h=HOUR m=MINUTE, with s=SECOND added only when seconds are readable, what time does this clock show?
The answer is h=11 m=56
